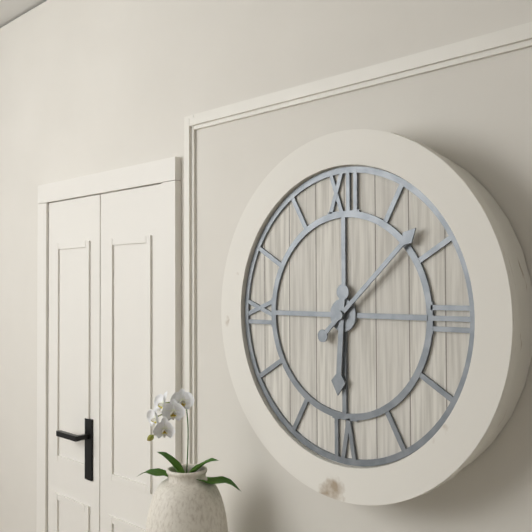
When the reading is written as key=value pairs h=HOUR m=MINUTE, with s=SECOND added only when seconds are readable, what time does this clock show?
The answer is h=6 m=8
